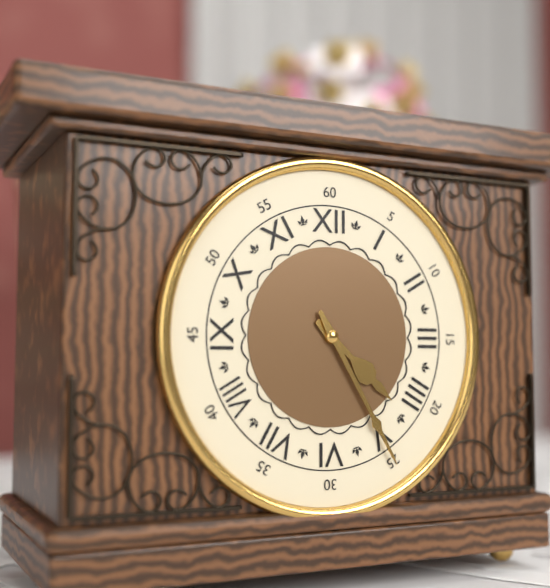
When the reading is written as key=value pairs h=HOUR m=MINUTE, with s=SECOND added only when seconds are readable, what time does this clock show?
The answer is h=4 m=25
